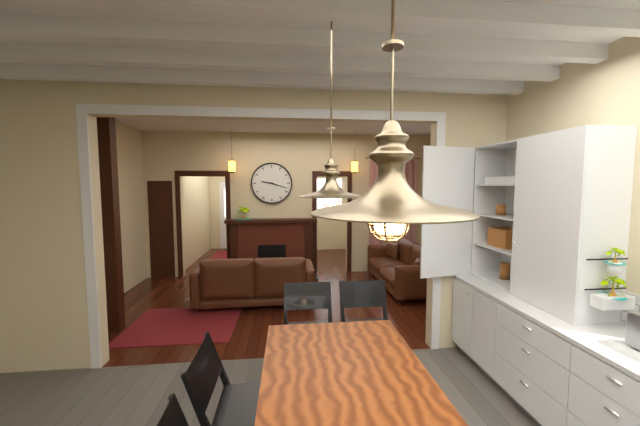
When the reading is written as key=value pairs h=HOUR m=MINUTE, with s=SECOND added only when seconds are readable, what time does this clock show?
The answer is h=9 m=18
